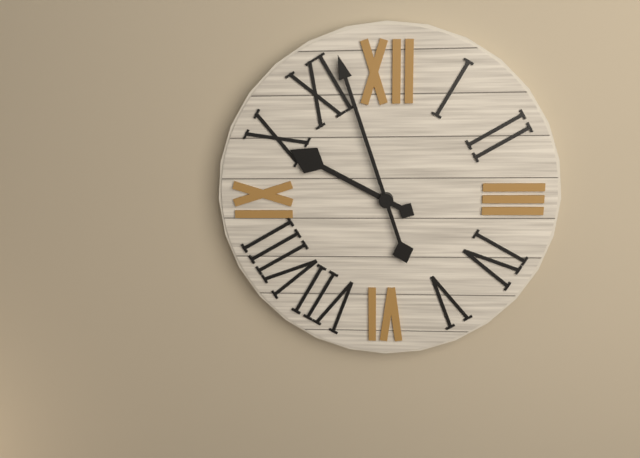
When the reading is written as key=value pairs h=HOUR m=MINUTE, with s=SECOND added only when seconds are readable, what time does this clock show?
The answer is h=9 m=57
